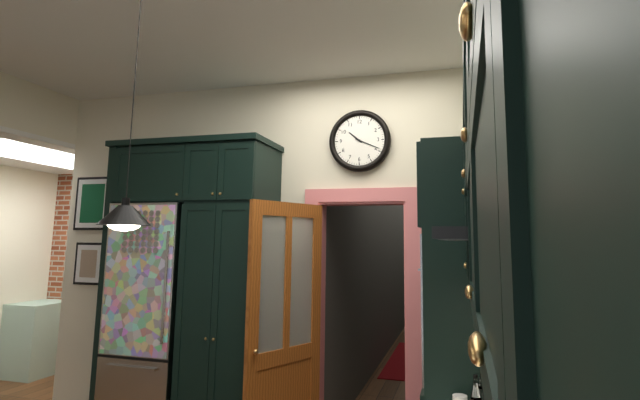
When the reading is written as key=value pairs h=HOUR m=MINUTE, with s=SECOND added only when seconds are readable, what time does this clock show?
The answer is h=10 m=19
